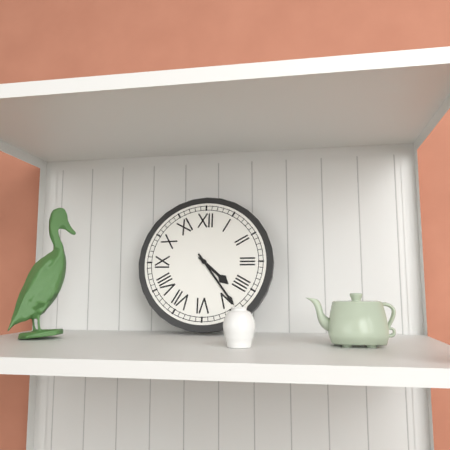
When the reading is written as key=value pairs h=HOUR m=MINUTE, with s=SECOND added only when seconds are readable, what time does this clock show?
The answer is h=4 m=24
